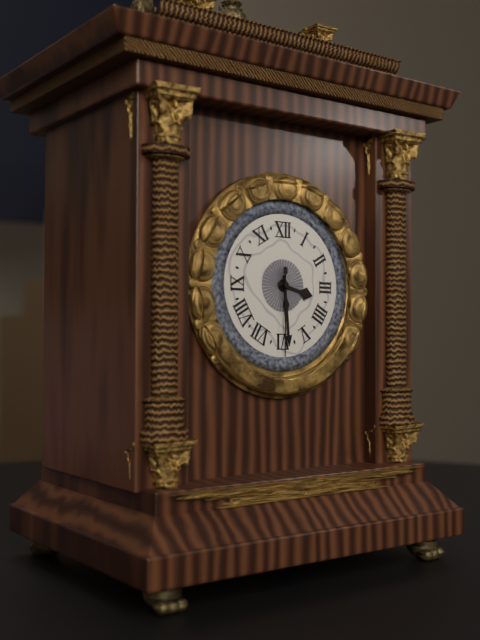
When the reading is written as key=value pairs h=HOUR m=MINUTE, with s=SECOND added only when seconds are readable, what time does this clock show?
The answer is h=3 m=29 s=30
